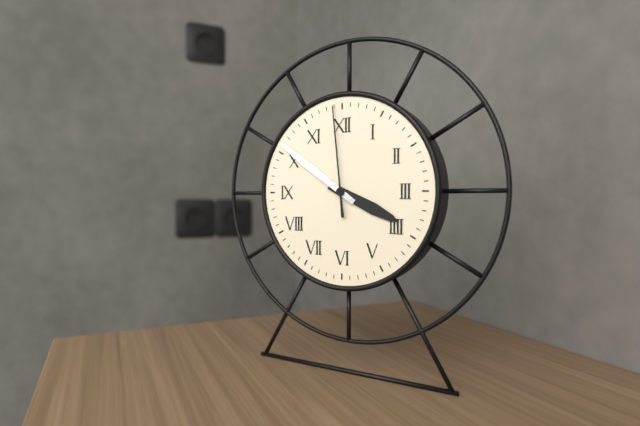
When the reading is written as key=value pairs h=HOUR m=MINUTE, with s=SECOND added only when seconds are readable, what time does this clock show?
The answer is h=3 m=51 s=59
